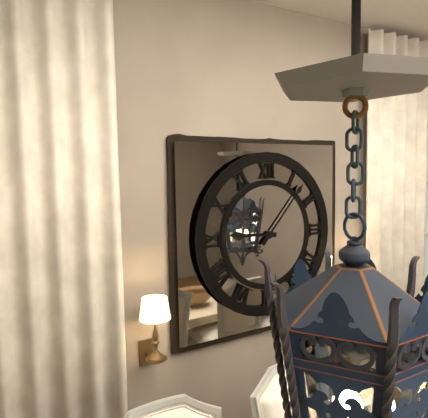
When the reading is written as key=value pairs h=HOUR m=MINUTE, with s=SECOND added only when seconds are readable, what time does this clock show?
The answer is h=9 m=7
